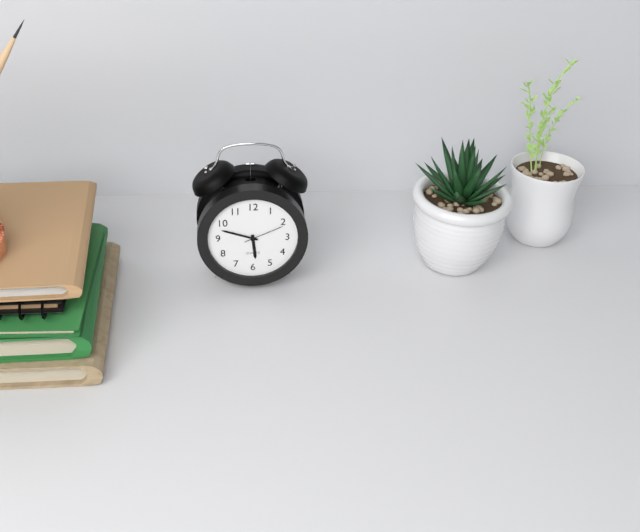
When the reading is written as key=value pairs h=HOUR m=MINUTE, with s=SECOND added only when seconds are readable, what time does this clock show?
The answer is h=5 m=48
